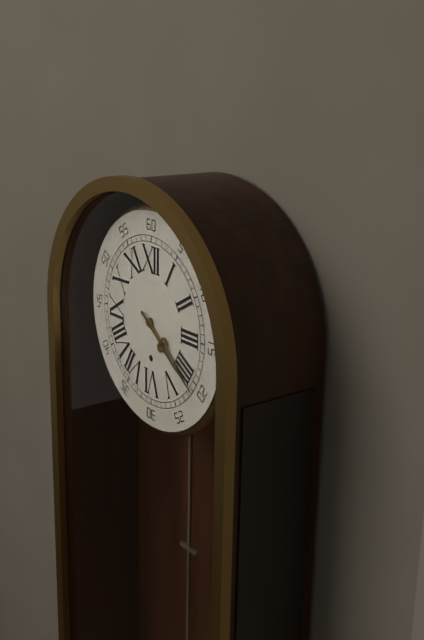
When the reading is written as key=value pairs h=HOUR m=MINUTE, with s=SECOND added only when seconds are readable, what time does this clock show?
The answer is h=4 m=21
